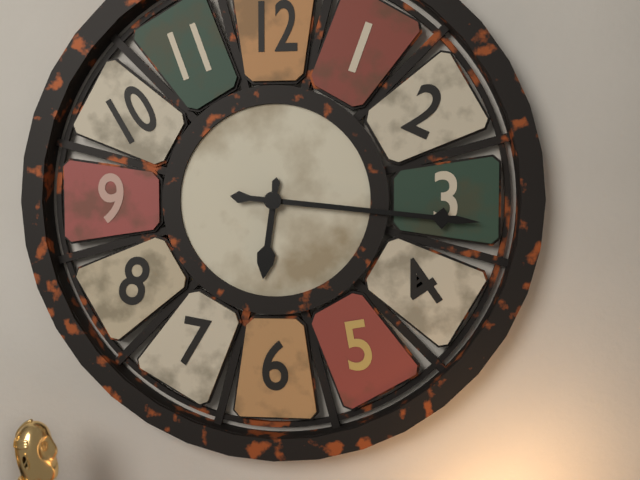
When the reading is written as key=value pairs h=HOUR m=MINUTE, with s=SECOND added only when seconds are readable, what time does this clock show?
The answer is h=6 m=16
